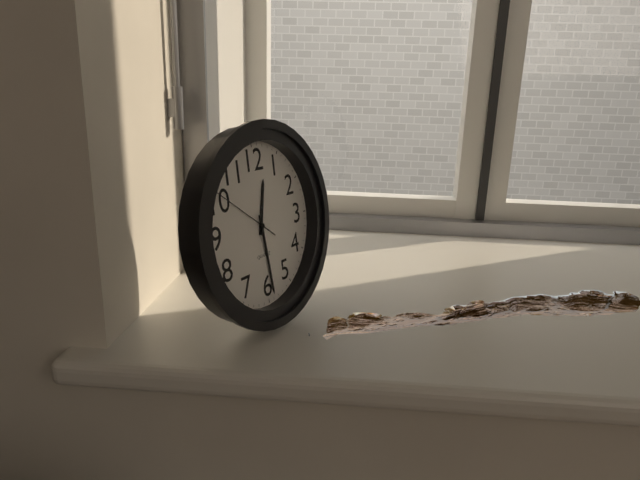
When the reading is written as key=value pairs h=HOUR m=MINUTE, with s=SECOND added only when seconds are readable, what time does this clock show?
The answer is h=12 m=29 s=51
